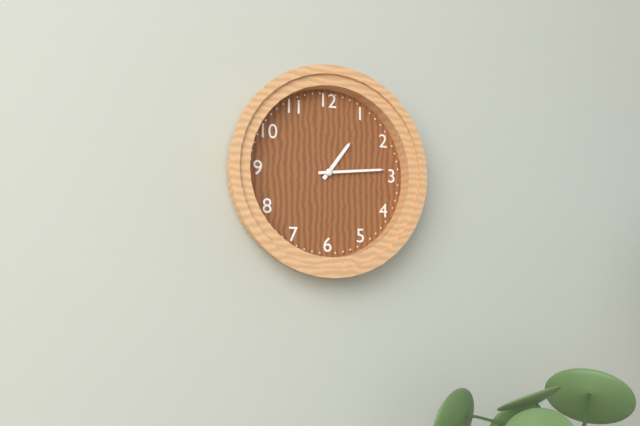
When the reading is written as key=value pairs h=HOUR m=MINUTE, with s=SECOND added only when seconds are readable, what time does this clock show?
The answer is h=1 m=14
